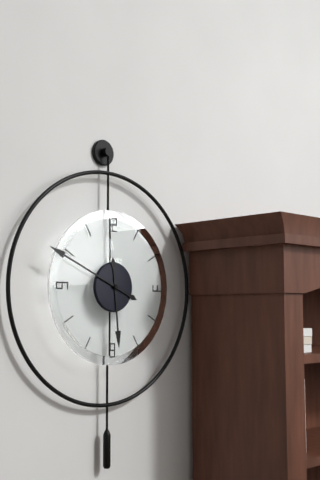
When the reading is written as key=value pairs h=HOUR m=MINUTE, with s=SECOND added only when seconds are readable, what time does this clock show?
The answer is h=5 m=49
